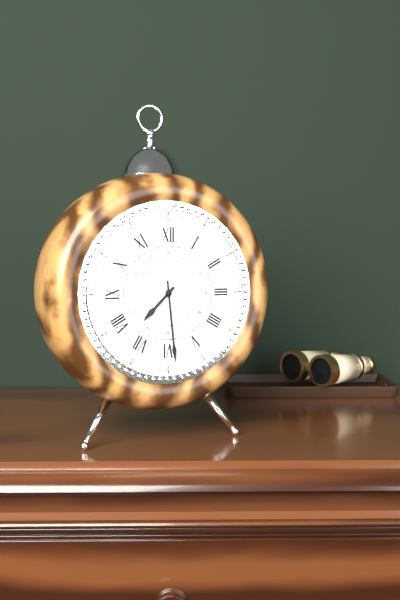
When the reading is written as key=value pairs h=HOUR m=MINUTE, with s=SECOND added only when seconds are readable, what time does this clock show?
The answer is h=7 m=29
